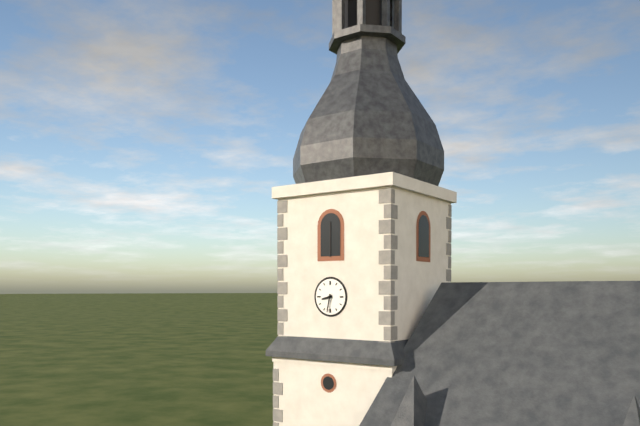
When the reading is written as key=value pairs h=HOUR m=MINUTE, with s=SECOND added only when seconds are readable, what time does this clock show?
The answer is h=8 m=32
